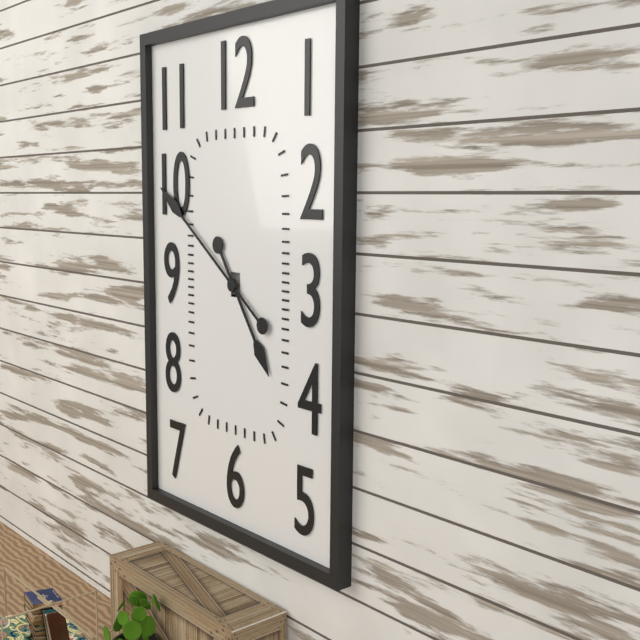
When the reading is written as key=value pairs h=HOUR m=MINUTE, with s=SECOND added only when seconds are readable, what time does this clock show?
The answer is h=4 m=51
